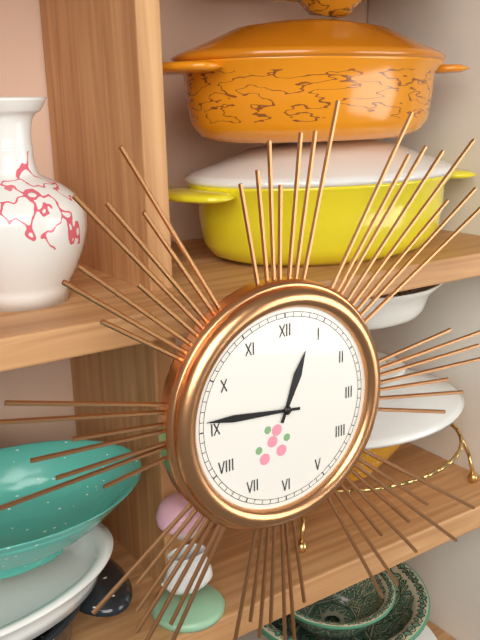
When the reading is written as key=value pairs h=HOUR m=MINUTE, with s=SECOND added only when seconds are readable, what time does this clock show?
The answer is h=12 m=46
